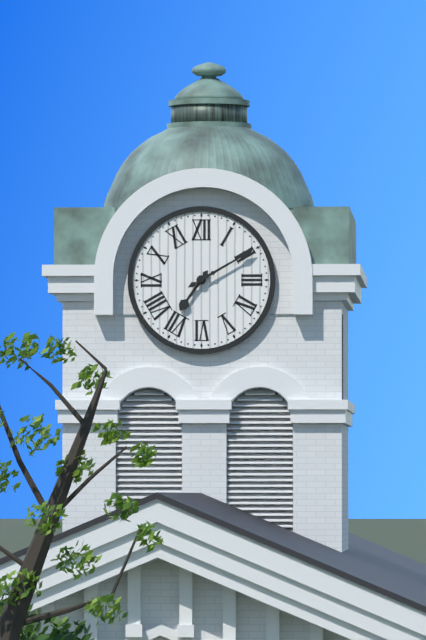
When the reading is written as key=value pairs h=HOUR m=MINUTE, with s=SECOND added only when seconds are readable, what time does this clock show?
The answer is h=7 m=10
